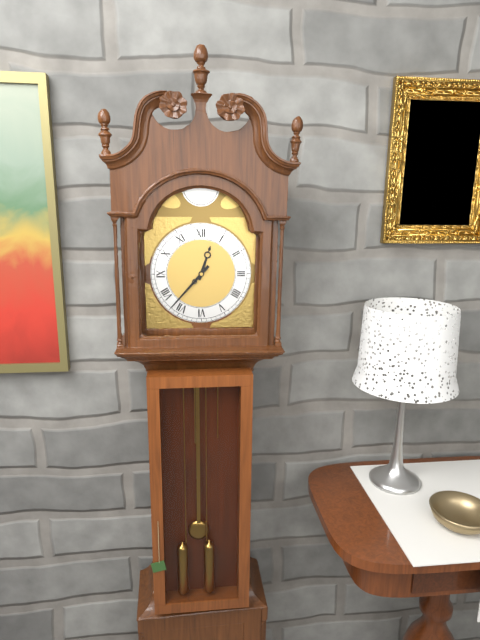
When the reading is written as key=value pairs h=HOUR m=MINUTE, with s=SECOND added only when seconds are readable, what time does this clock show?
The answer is h=12 m=37
